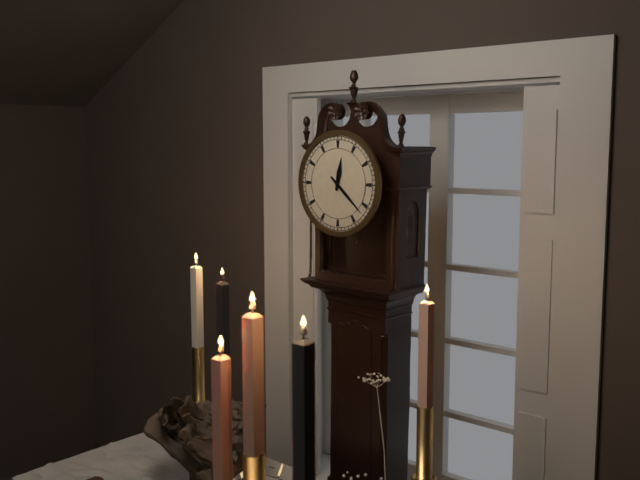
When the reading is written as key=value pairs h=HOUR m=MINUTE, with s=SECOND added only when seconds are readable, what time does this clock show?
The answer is h=12 m=22
